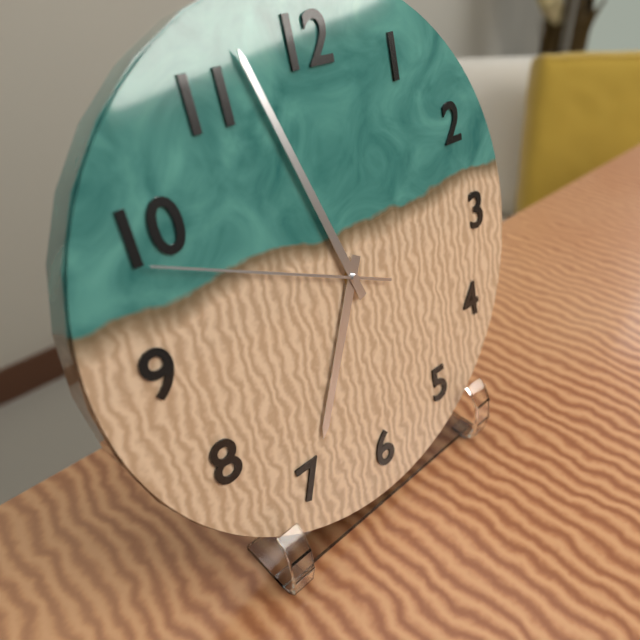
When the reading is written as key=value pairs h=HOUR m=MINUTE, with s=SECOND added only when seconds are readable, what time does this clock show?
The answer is h=6 m=57 s=49
